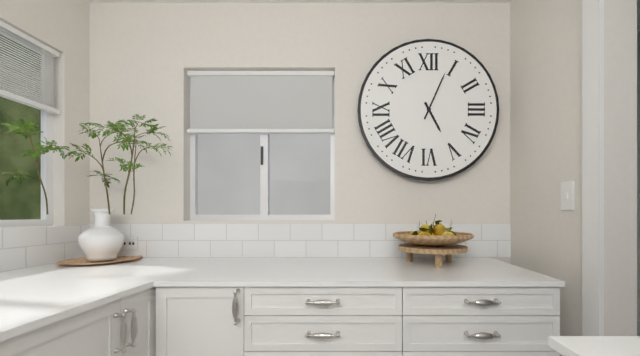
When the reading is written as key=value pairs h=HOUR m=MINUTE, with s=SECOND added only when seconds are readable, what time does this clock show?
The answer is h=5 m=4
